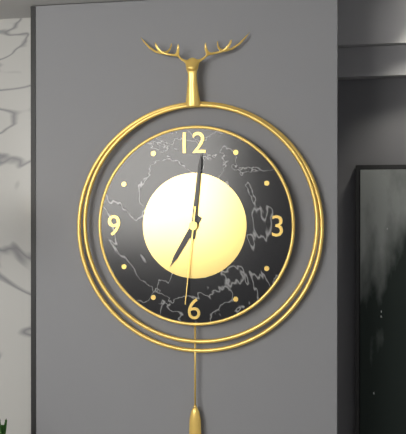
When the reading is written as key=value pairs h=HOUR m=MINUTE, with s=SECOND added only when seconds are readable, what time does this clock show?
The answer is h=7 m=1 s=31
